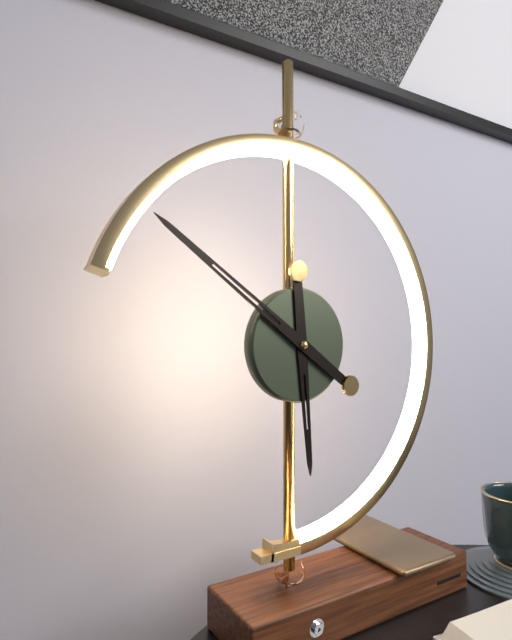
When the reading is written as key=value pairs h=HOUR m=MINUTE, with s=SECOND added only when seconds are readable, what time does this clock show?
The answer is h=5 m=51
